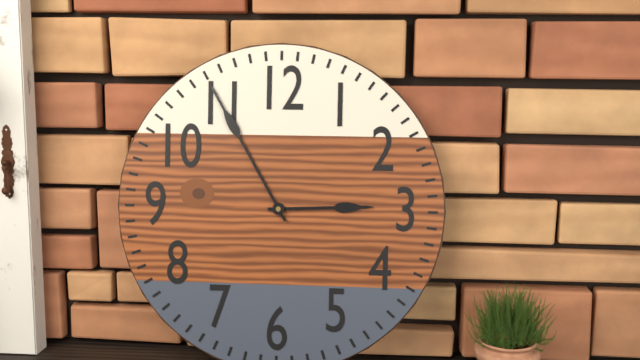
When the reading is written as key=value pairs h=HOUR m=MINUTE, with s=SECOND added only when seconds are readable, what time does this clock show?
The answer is h=2 m=55
